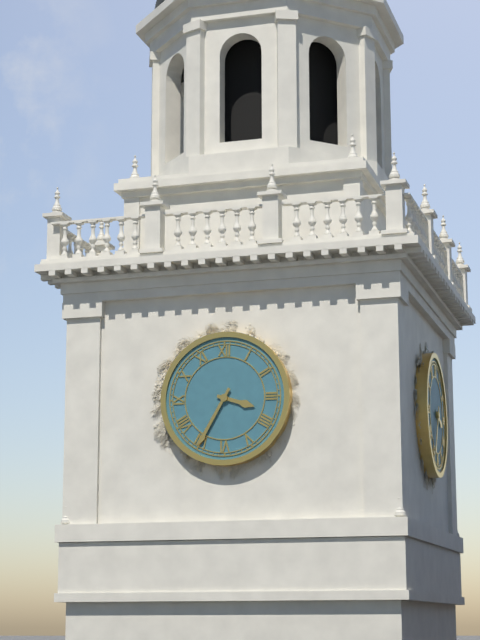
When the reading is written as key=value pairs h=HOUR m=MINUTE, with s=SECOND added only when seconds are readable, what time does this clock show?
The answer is h=3 m=35
